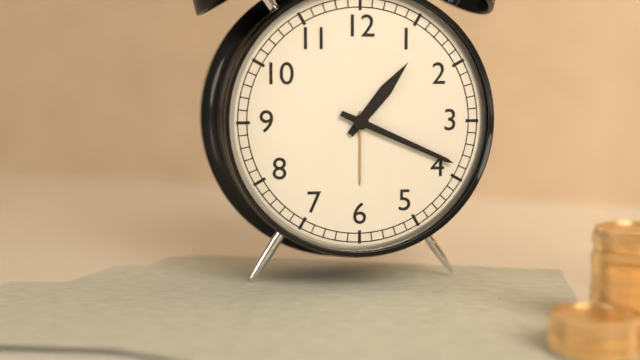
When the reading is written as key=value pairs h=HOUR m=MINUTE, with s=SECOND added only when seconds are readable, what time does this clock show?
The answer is h=1 m=19
